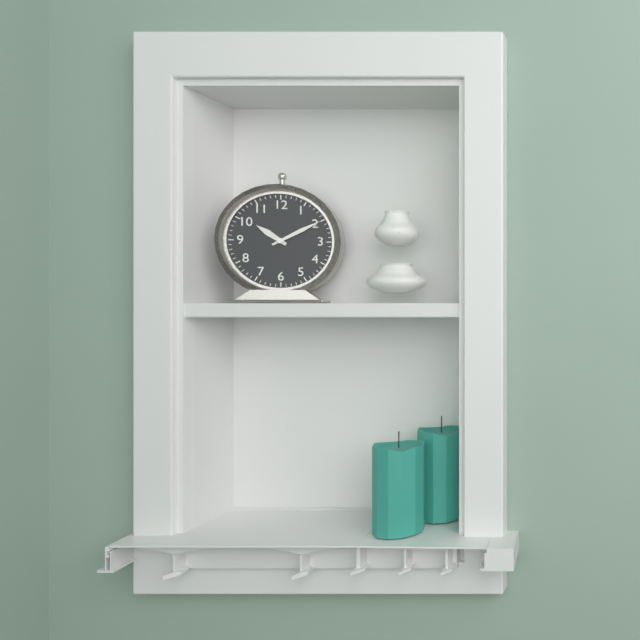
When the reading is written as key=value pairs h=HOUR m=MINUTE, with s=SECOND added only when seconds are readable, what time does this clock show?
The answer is h=10 m=10
